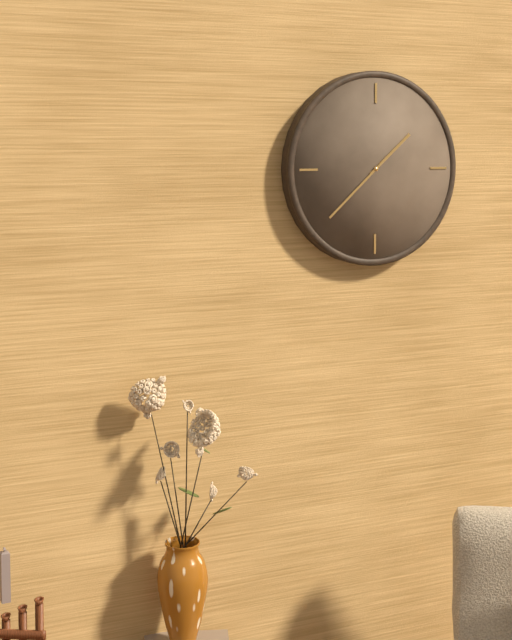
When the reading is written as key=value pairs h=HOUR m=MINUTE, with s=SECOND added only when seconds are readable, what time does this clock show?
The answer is h=1 m=38
